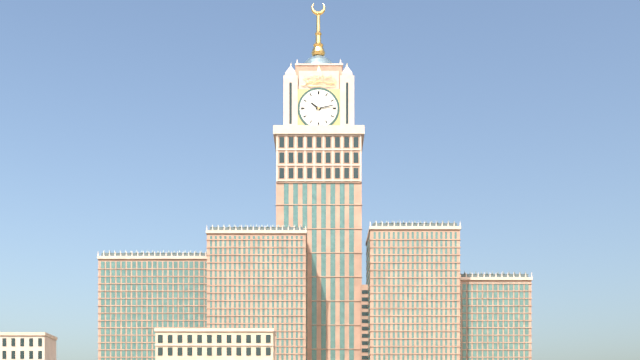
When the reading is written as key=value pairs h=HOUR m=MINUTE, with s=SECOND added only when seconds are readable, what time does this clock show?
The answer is h=10 m=13
